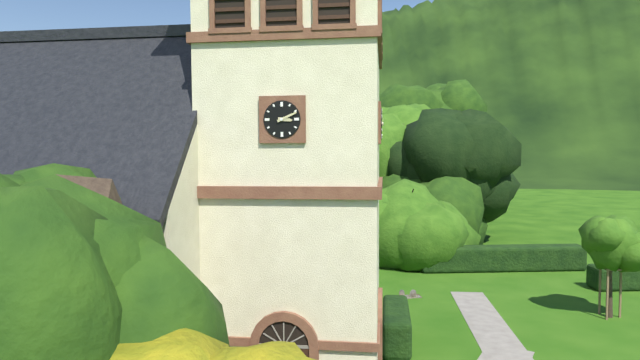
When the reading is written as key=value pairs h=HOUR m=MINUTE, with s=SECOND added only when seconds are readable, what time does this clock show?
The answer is h=3 m=11
